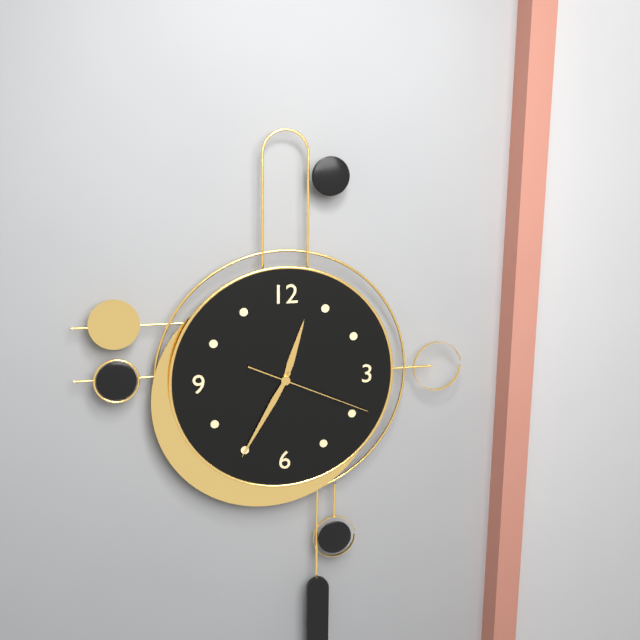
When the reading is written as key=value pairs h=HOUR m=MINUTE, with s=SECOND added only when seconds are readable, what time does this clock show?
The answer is h=12 m=35 s=19
